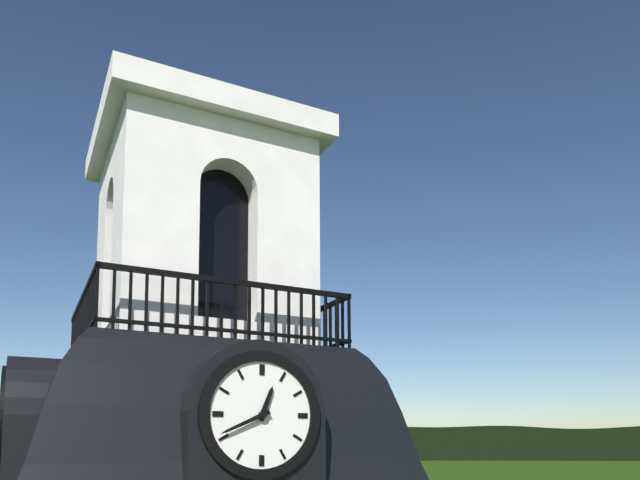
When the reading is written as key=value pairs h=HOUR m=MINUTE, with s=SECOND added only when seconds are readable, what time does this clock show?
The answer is h=12 m=41
